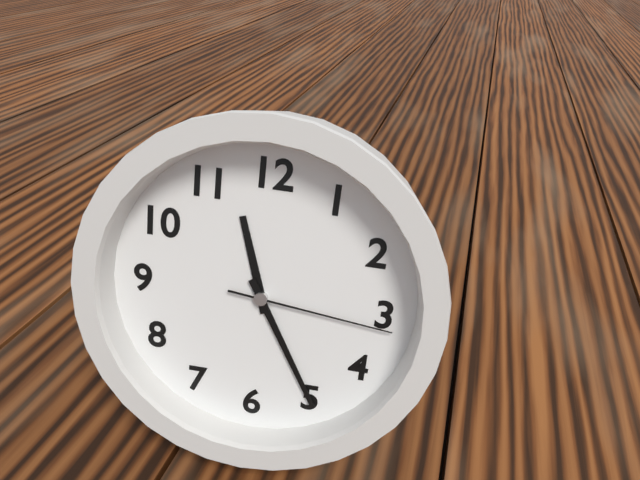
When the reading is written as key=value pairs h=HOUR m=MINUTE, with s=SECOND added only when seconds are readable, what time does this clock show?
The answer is h=11 m=25 s=16
